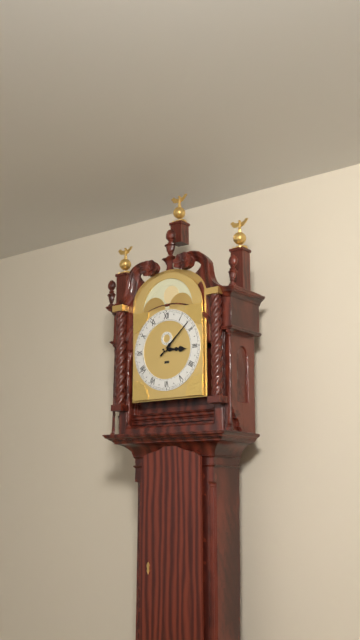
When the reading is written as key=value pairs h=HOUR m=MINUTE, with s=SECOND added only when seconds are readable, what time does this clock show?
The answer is h=3 m=8
